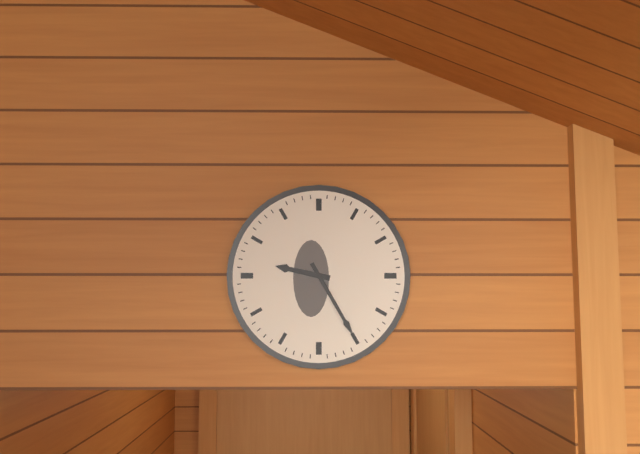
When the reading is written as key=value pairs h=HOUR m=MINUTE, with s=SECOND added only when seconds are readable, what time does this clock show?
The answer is h=9 m=25
